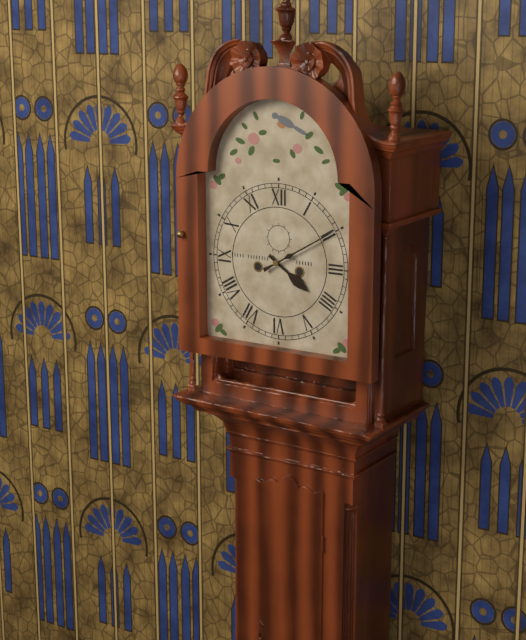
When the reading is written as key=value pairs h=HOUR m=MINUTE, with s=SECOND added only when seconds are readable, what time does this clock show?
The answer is h=4 m=10
